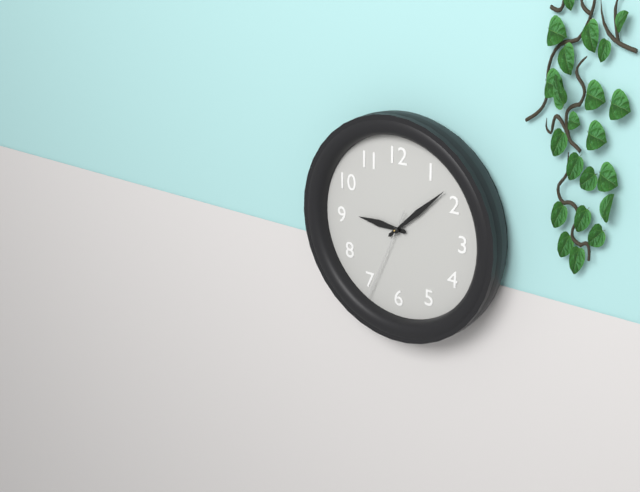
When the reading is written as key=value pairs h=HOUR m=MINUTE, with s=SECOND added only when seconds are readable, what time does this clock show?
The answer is h=9 m=8 s=34
